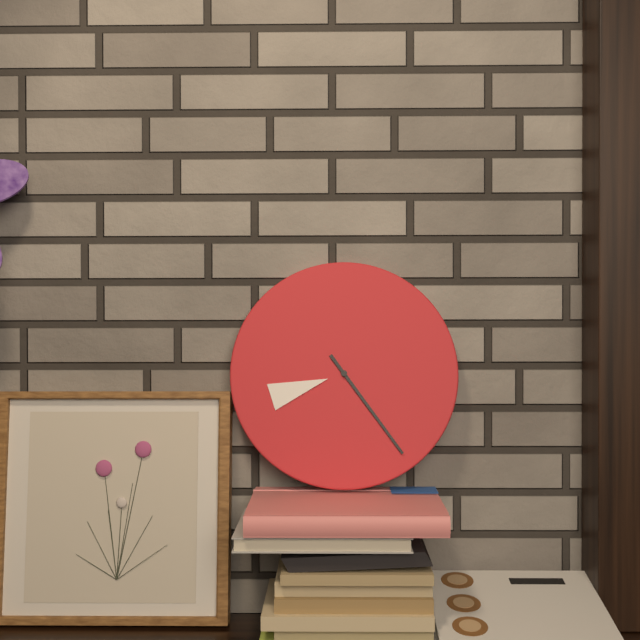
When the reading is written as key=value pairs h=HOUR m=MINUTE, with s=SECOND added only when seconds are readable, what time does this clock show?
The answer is h=8 m=24
